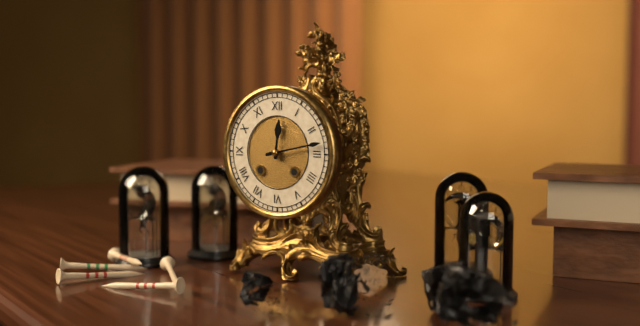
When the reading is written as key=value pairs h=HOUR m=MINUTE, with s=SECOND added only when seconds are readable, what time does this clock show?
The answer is h=12 m=13
